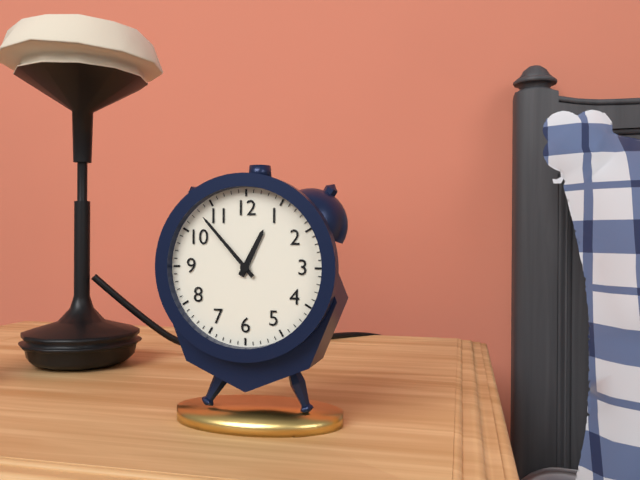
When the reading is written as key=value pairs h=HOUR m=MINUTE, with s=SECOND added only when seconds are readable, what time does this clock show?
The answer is h=12 m=53
